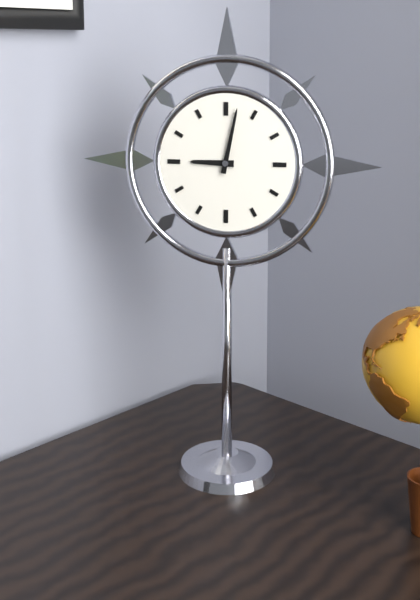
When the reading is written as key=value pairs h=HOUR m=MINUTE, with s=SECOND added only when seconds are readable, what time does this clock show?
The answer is h=9 m=2
